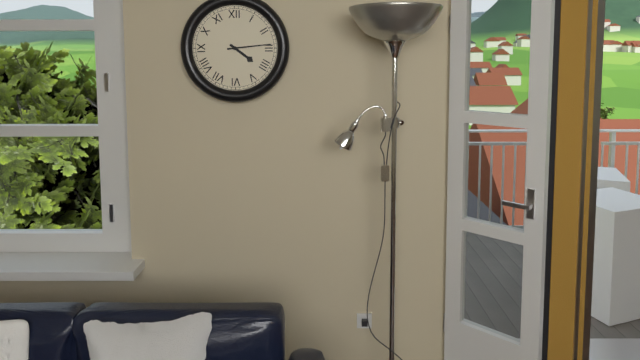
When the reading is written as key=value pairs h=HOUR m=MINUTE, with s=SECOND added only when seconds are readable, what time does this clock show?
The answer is h=4 m=14
